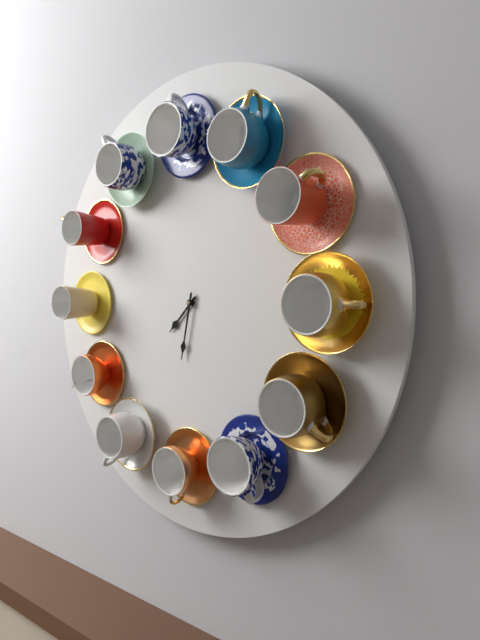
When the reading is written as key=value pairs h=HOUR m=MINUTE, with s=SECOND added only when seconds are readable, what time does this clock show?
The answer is h=7 m=32
